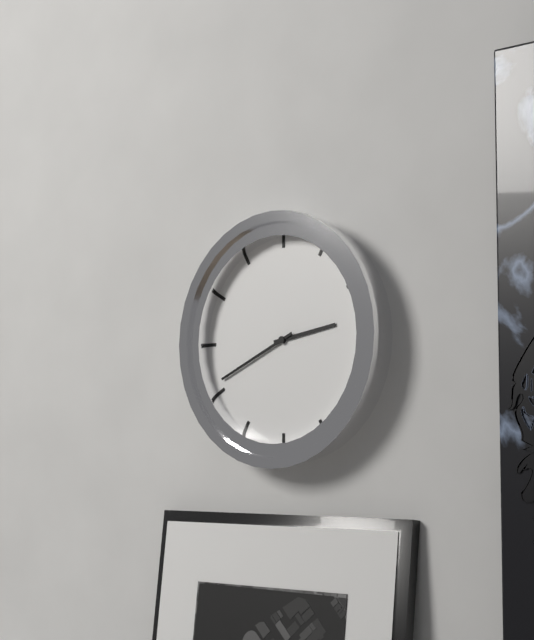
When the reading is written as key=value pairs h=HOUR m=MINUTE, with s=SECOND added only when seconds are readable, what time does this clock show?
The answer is h=2 m=41
